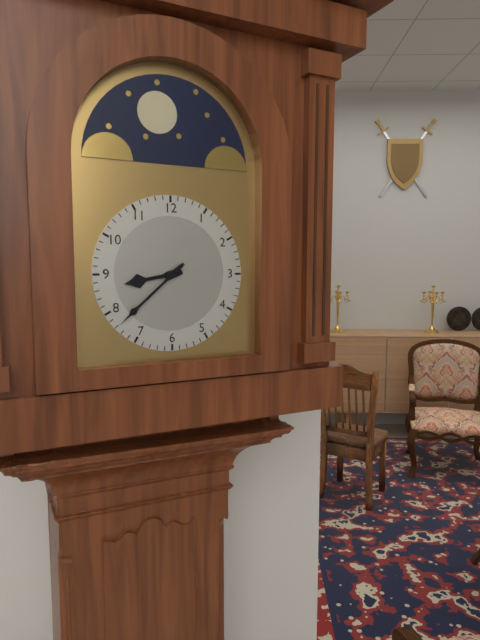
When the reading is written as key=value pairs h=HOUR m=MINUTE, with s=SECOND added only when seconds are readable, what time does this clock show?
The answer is h=8 m=38
